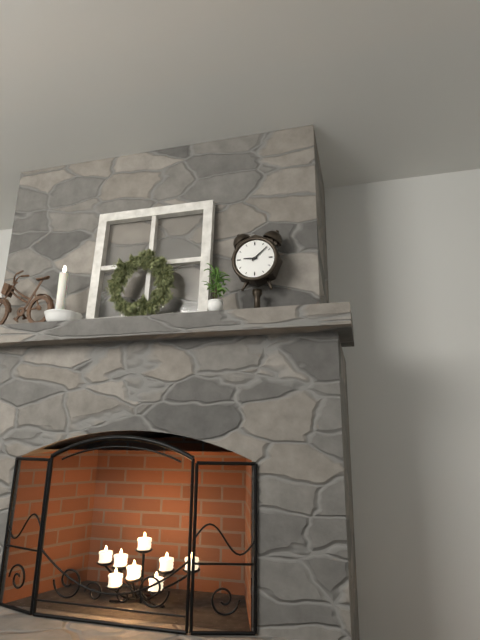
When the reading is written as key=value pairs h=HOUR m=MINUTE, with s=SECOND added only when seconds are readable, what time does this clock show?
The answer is h=9 m=8
